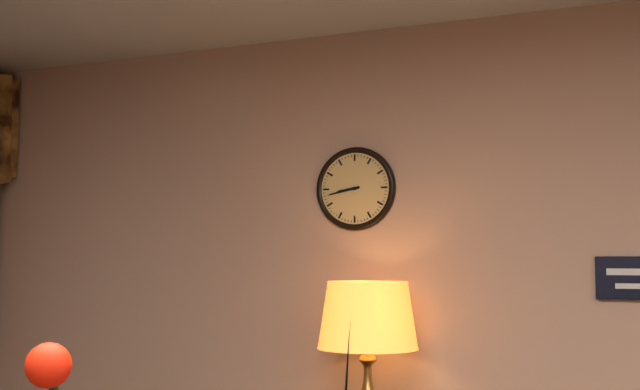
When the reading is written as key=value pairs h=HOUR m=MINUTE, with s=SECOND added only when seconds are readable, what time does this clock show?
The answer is h=8 m=43
